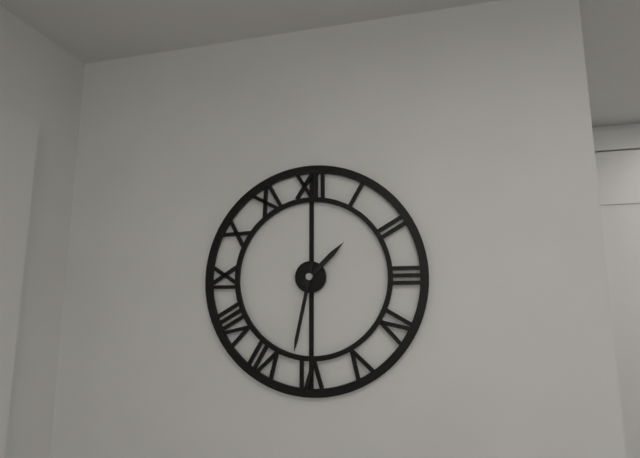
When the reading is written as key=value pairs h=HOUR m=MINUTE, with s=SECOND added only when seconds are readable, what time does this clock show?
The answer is h=1 m=32
